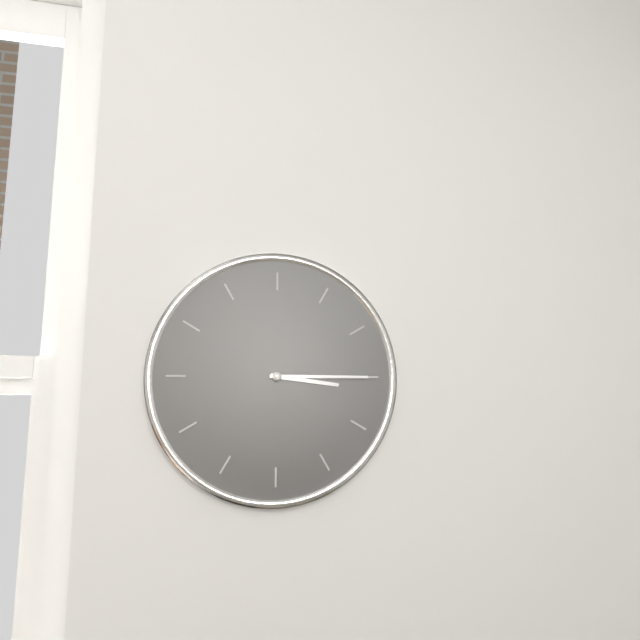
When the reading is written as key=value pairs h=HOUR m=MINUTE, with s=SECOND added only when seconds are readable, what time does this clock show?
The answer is h=3 m=15
